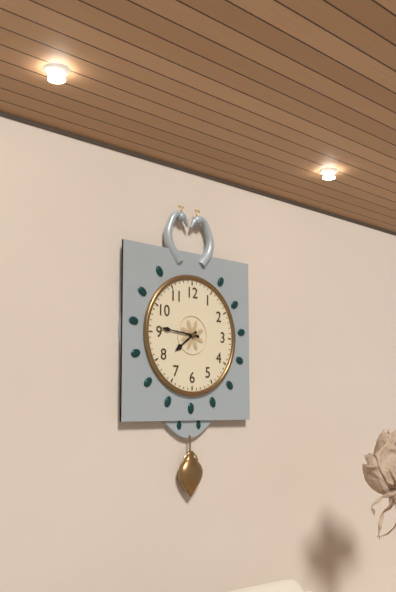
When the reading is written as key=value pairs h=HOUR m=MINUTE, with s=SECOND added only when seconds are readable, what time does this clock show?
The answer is h=7 m=46
